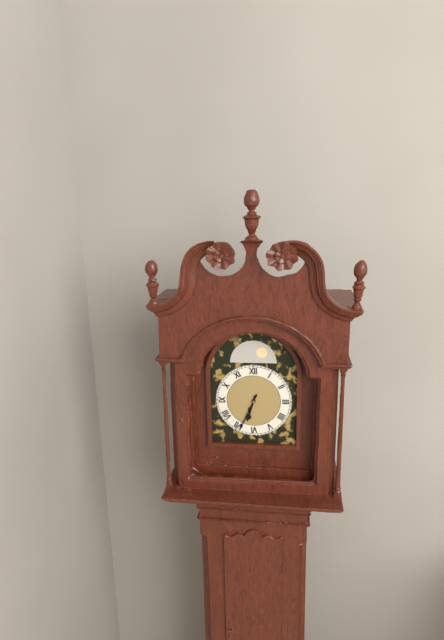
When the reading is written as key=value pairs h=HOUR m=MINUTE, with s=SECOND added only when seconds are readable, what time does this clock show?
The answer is h=6 m=34
